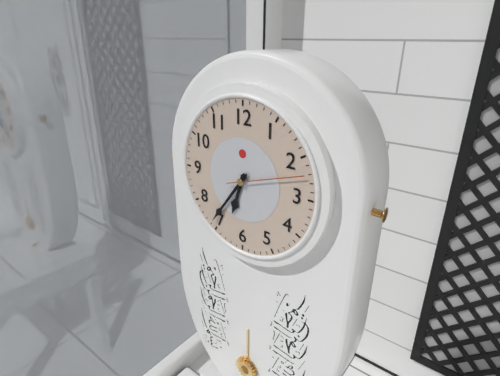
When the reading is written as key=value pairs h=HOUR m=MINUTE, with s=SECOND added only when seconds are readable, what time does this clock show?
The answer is h=6 m=36 s=12
